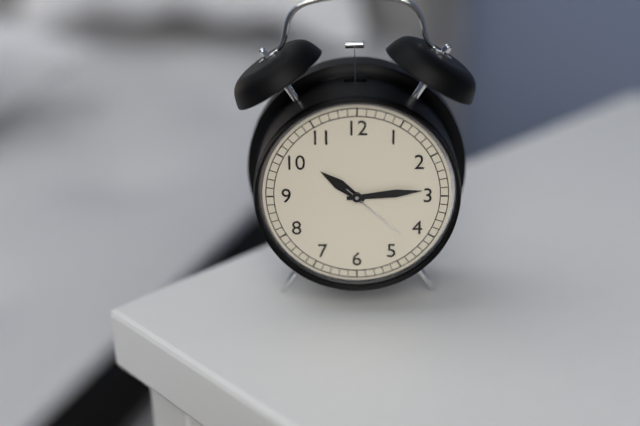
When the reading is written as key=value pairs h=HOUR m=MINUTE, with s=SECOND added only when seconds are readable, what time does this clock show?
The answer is h=10 m=14 s=22
